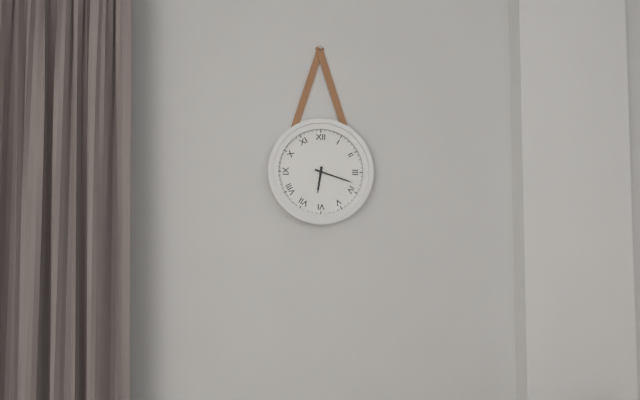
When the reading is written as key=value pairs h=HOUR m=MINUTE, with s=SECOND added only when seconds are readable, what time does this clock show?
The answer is h=6 m=18
